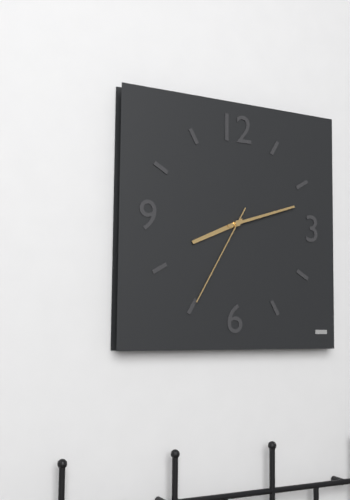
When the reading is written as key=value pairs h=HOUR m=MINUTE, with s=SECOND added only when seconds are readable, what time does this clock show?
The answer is h=8 m=12 s=35
